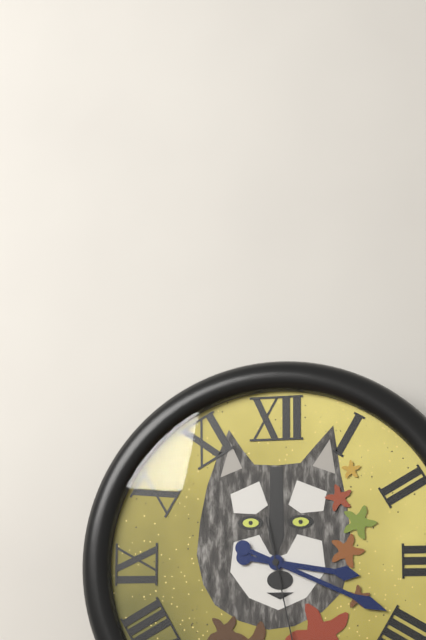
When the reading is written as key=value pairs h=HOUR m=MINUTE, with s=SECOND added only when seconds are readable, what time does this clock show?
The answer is h=3 m=19
